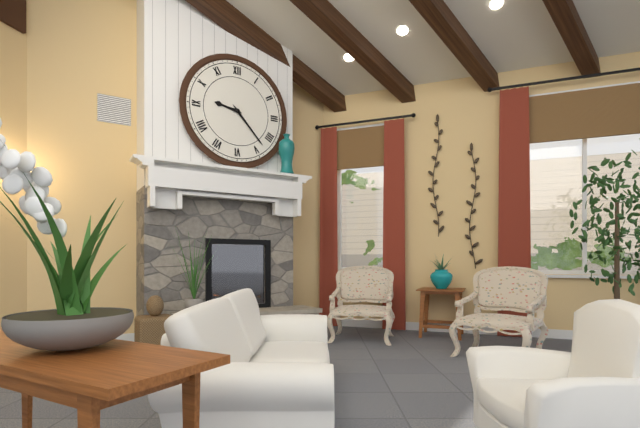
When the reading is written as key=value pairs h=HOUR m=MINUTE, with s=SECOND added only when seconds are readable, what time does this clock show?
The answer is h=9 m=23
